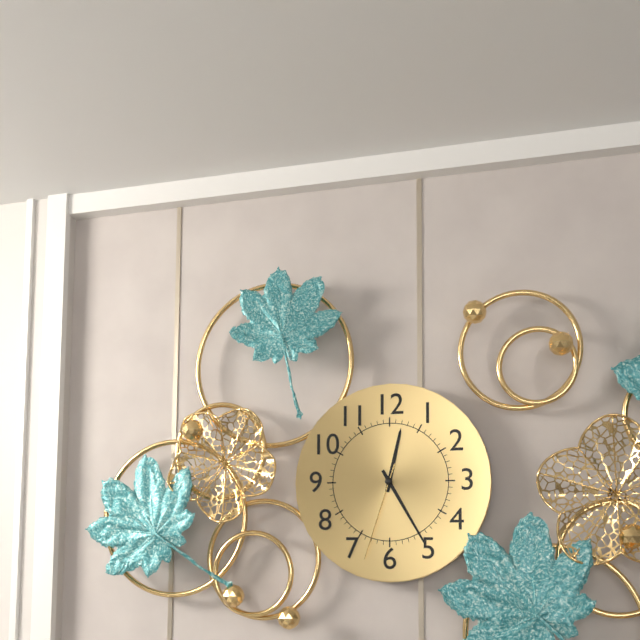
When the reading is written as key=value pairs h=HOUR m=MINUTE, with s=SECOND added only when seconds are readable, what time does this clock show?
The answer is h=12 m=25 s=33
